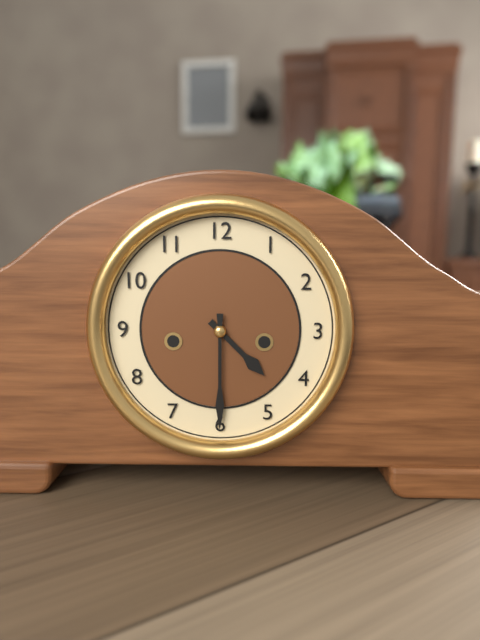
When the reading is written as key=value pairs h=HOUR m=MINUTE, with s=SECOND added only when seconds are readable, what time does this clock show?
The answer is h=4 m=30
